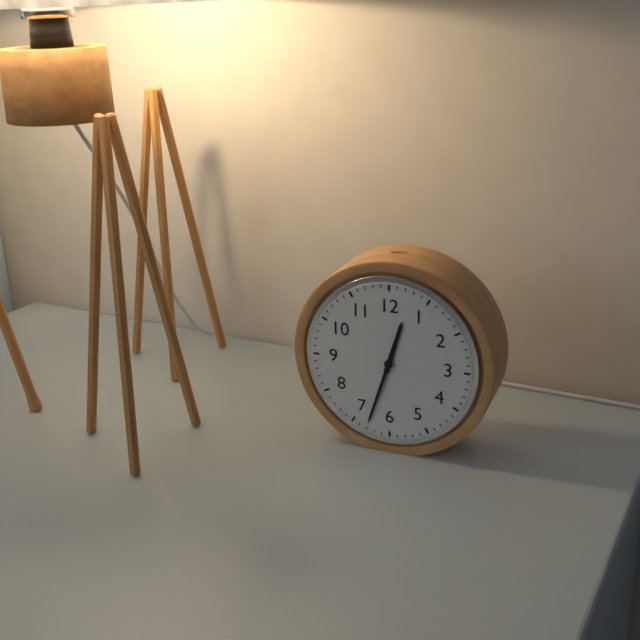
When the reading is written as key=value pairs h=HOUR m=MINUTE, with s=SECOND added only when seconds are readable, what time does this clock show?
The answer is h=12 m=33
